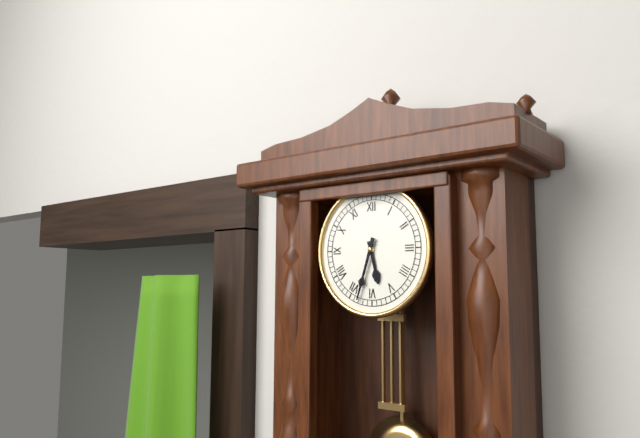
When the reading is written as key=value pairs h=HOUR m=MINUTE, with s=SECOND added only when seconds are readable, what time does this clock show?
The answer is h=5 m=33
